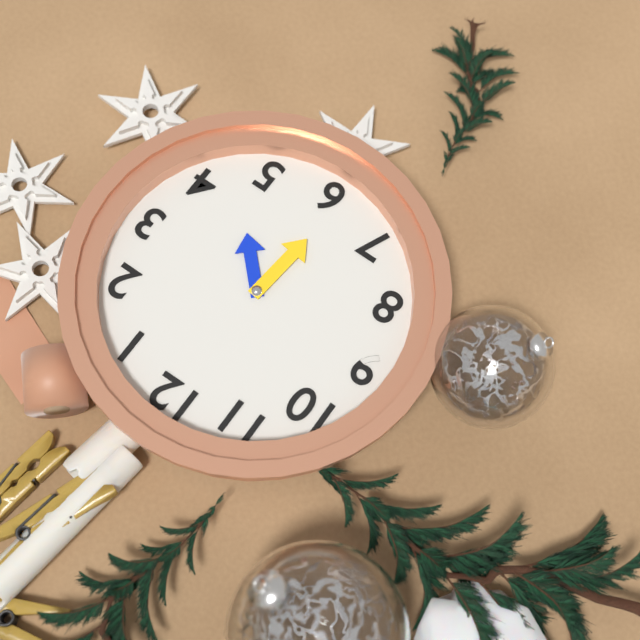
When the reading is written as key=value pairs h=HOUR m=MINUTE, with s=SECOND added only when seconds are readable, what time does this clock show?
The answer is h=4 m=31
